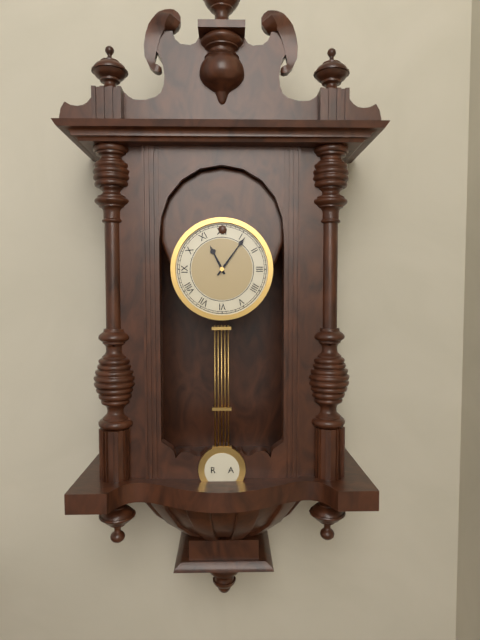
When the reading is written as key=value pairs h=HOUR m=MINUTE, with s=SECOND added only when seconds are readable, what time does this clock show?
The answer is h=11 m=6
